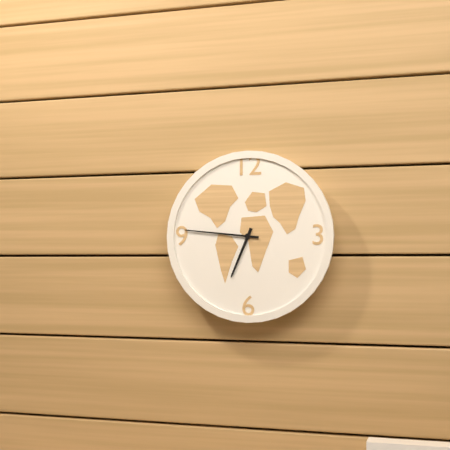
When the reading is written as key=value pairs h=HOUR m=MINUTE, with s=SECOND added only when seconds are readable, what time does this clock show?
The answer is h=6 m=46
